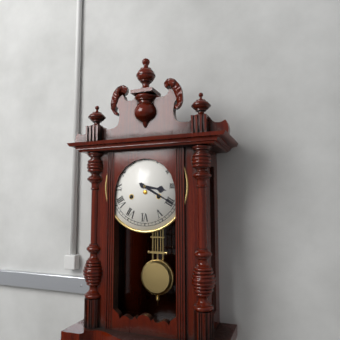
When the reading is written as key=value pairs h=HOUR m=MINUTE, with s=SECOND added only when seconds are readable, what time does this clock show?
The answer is h=3 m=20
